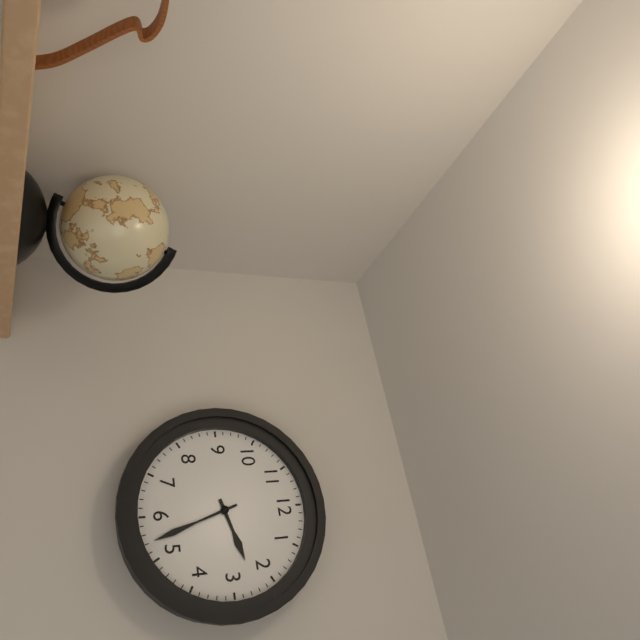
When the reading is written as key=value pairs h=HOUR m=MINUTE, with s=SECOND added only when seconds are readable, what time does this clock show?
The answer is h=2 m=27
